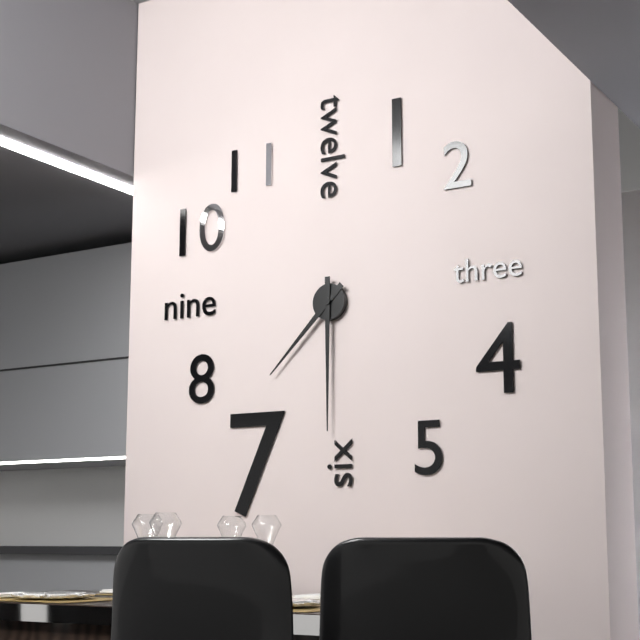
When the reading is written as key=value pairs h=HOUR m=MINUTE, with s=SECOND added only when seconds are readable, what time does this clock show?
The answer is h=7 m=30
